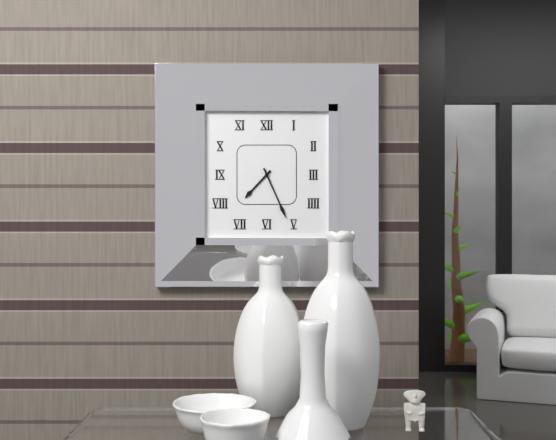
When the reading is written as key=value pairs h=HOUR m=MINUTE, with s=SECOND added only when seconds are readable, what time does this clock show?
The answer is h=7 m=26
